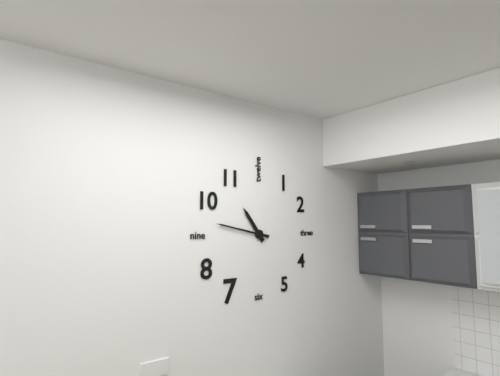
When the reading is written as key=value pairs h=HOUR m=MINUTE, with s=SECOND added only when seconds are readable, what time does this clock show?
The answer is h=10 m=47
